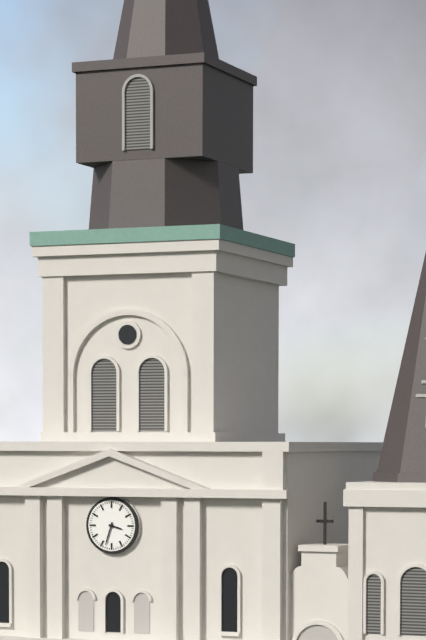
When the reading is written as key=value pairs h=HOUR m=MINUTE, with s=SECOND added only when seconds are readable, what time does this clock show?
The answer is h=3 m=33
